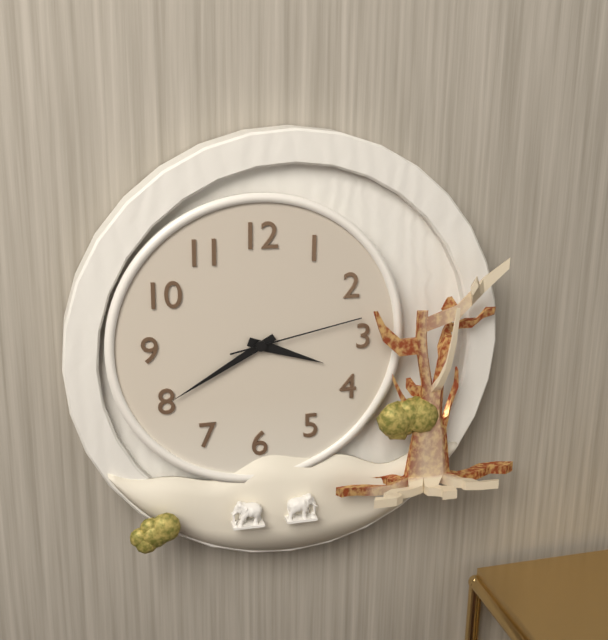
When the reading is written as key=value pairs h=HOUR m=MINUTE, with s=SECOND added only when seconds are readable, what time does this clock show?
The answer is h=3 m=40 s=13
